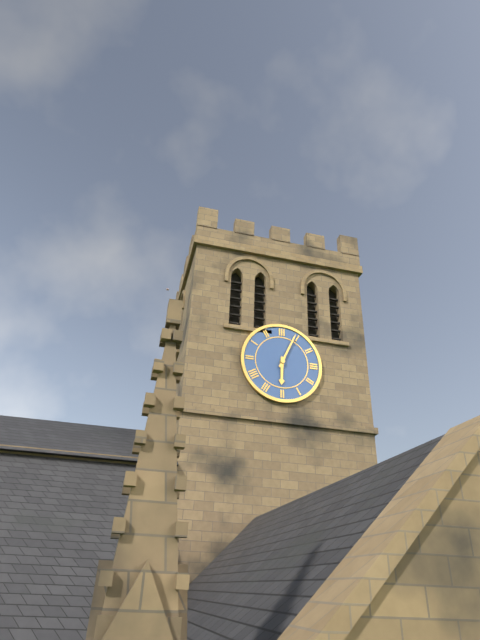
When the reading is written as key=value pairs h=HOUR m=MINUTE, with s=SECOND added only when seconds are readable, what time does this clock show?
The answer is h=6 m=4
